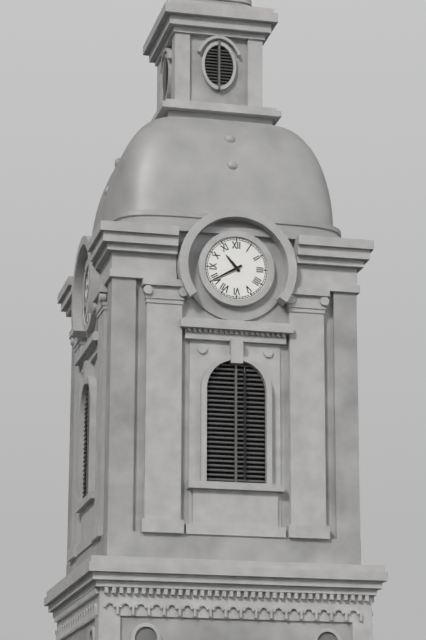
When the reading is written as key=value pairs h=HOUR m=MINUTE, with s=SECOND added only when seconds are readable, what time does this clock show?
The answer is h=10 m=40
